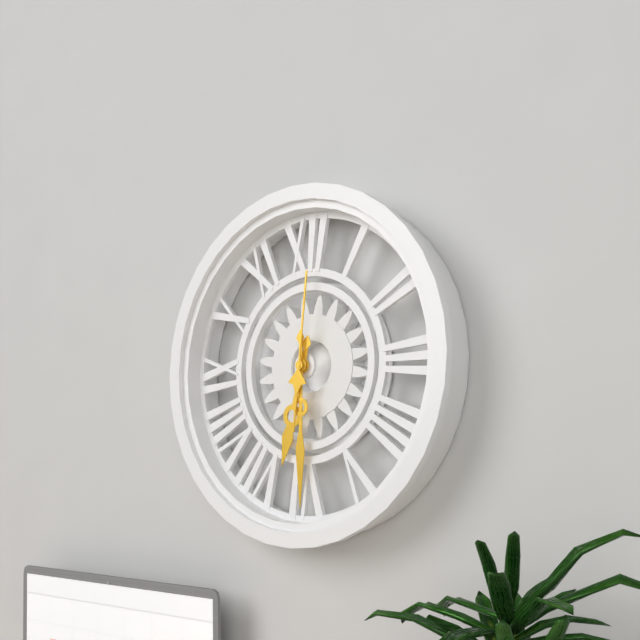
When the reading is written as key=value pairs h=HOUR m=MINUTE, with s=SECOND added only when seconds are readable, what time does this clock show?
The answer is h=6 m=30 s=1
